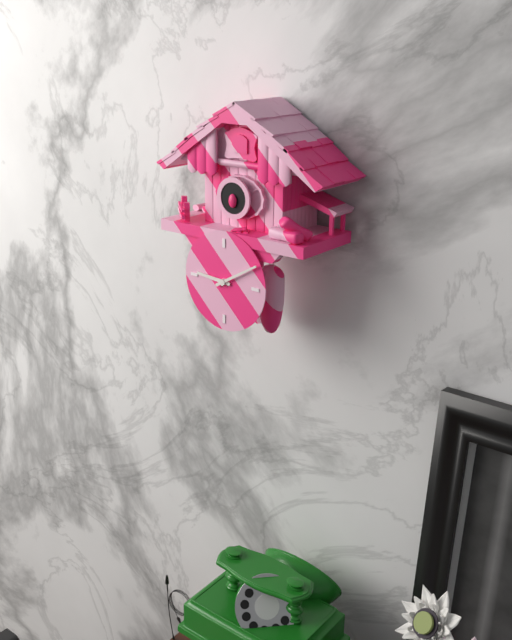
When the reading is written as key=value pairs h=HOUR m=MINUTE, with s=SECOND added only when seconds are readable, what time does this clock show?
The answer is h=9 m=10
